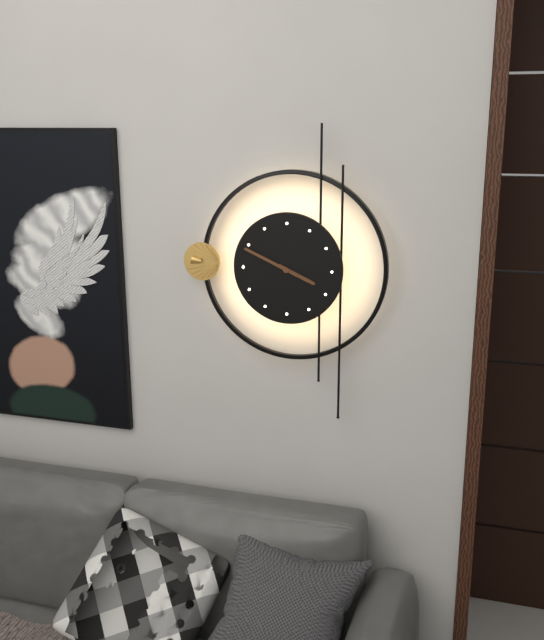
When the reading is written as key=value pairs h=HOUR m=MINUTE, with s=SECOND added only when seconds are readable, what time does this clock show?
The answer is h=3 m=49
